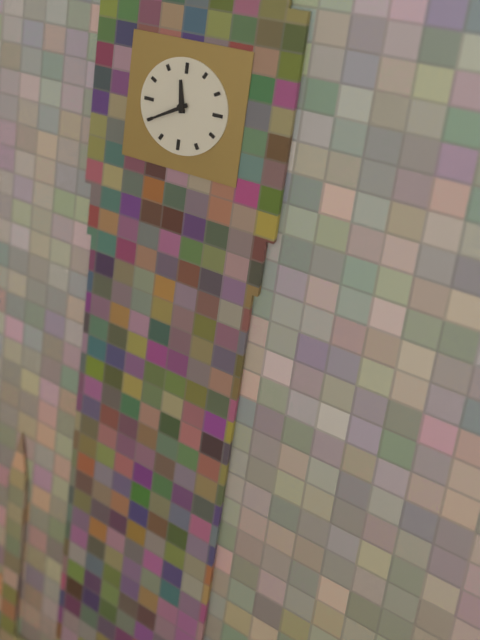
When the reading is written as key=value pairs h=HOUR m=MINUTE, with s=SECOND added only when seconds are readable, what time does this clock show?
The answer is h=11 m=40
